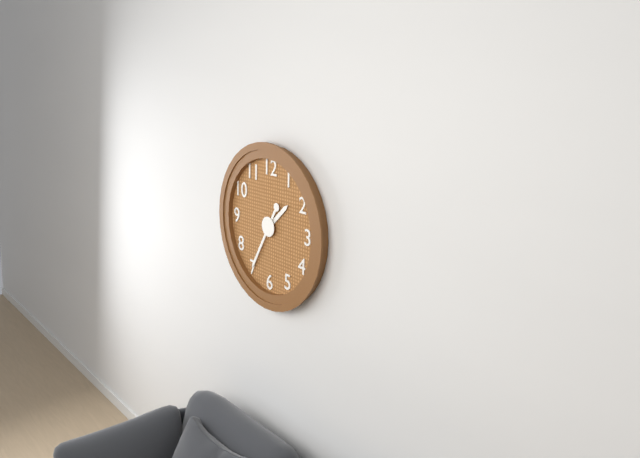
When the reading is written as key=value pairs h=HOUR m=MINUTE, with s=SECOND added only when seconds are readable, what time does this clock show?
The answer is h=1 m=35
